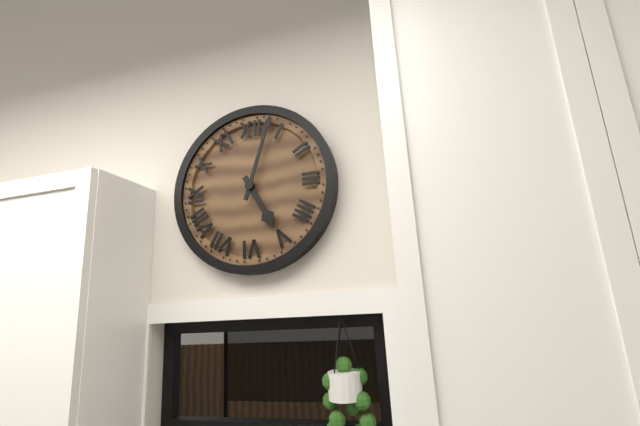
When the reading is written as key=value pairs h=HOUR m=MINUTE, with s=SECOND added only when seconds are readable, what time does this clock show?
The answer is h=5 m=3
